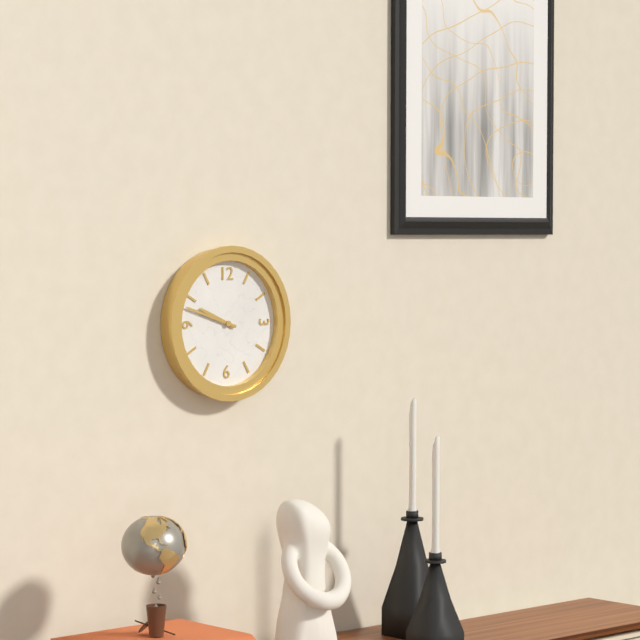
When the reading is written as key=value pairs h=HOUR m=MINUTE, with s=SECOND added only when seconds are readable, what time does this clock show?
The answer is h=9 m=48
